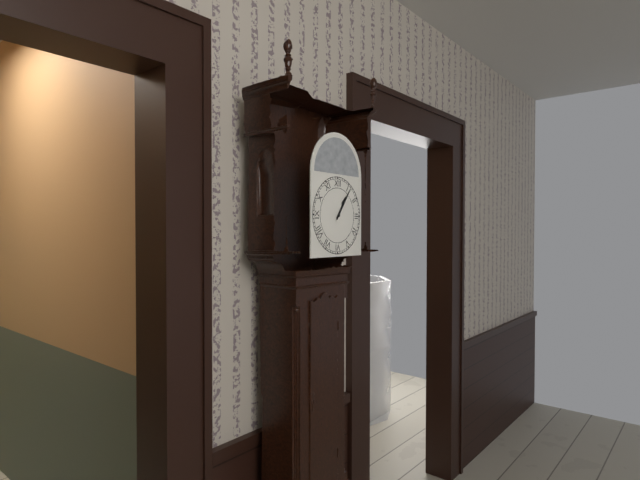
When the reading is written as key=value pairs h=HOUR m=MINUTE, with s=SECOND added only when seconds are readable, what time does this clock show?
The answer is h=1 m=6
